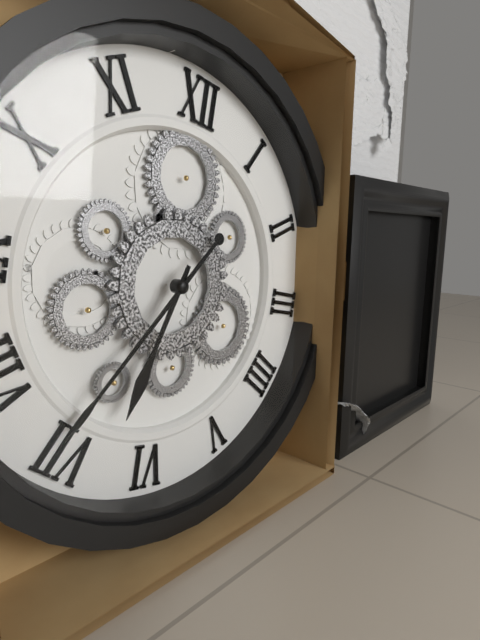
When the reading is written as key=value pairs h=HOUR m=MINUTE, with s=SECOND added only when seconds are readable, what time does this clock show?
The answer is h=6 m=36
